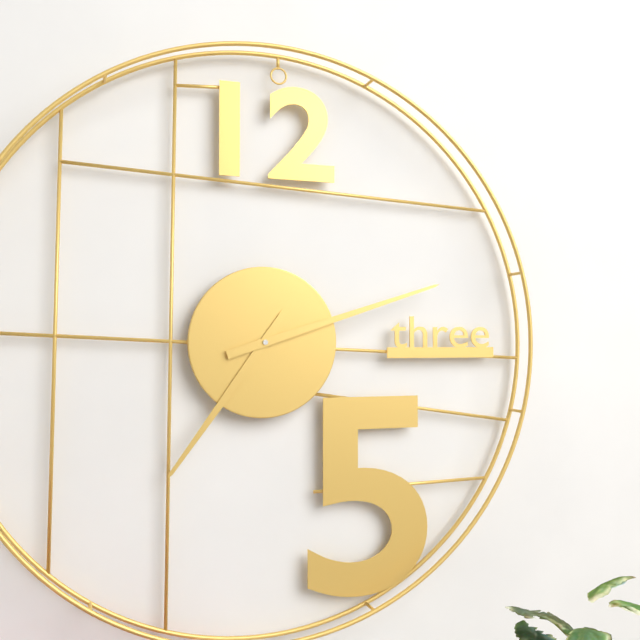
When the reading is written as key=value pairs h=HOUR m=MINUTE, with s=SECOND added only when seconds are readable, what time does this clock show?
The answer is h=7 m=12
